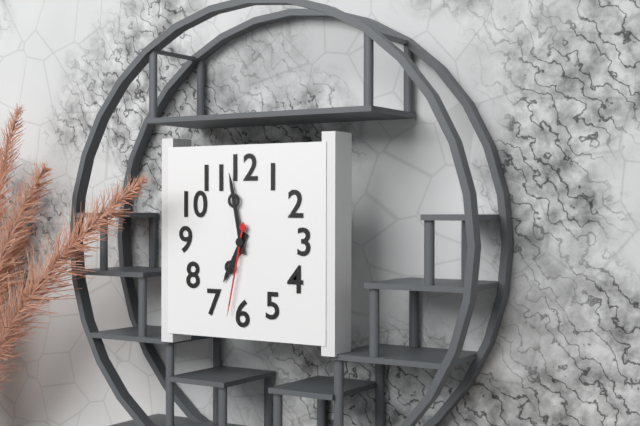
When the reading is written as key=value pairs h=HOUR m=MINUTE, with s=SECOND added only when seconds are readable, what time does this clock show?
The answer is h=6 m=58 s=32
